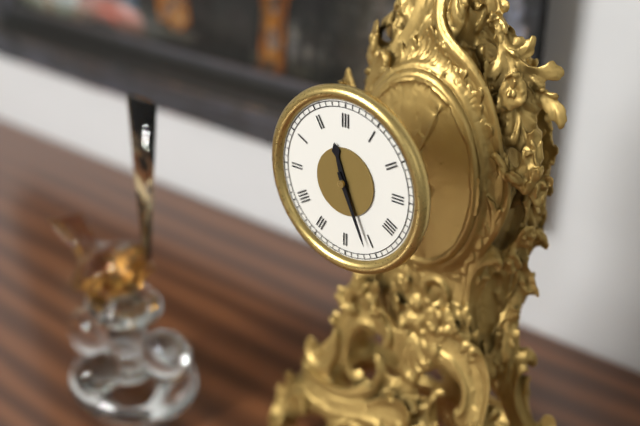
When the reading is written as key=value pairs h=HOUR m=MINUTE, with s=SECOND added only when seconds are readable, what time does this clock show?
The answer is h=11 m=26
